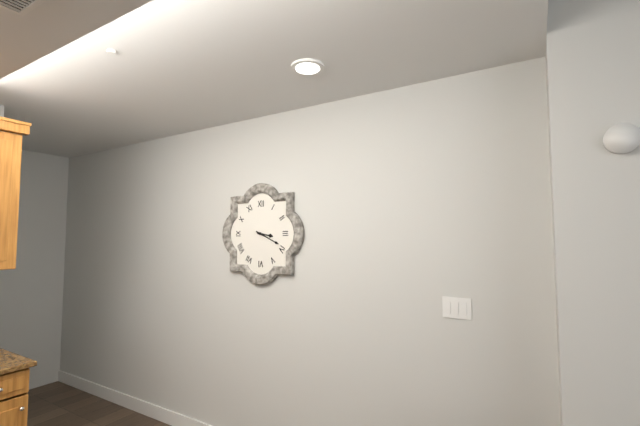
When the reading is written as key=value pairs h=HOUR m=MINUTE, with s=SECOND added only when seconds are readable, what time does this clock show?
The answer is h=3 m=19
